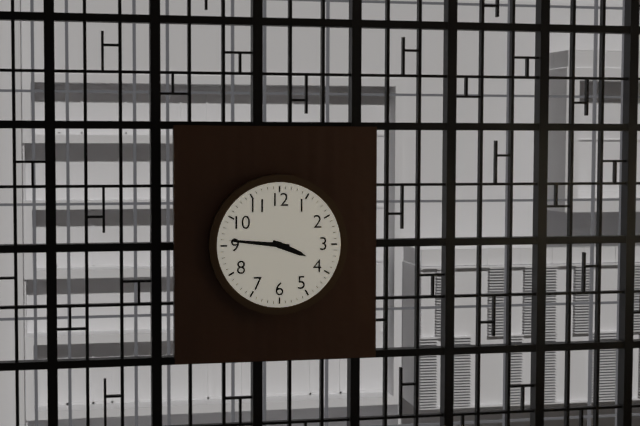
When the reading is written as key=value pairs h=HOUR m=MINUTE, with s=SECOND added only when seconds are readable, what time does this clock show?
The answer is h=3 m=46
